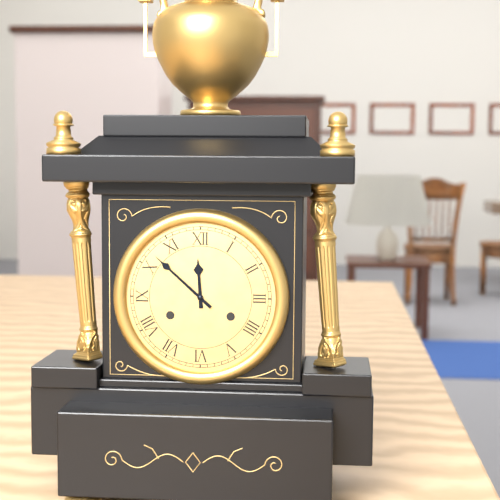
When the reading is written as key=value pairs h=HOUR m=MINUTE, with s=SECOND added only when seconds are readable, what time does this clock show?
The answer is h=11 m=52
